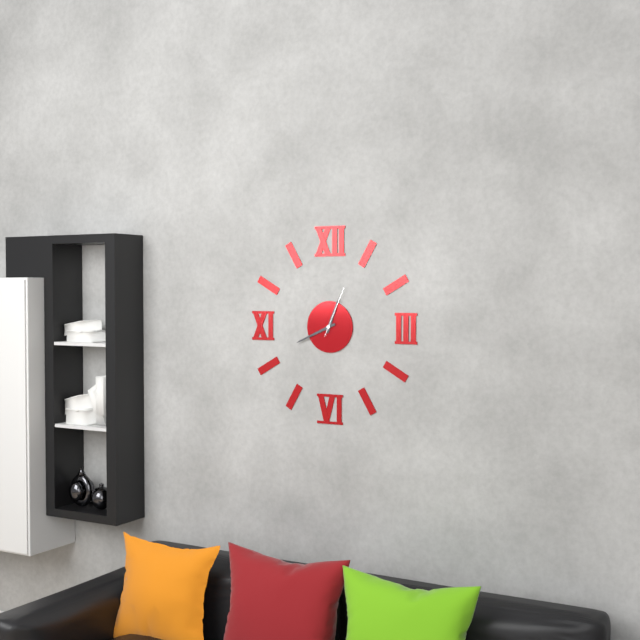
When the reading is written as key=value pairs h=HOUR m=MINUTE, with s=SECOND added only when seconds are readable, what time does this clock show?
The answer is h=12 m=41 s=4
